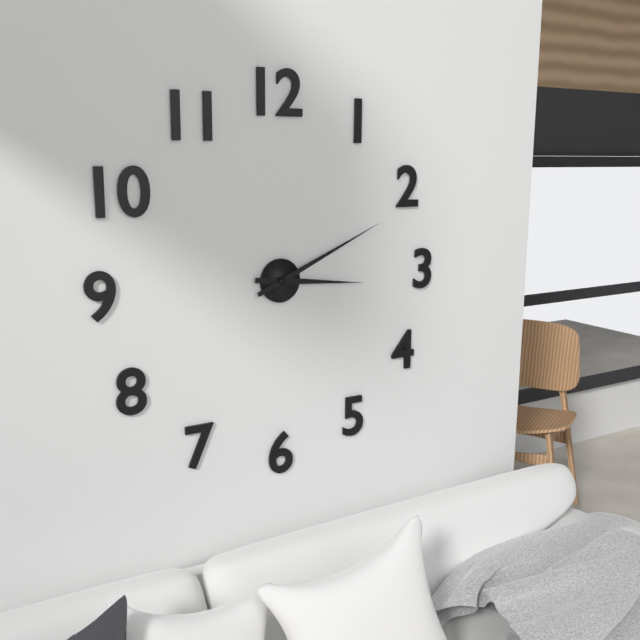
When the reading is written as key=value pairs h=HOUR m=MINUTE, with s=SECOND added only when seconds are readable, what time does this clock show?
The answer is h=3 m=11
